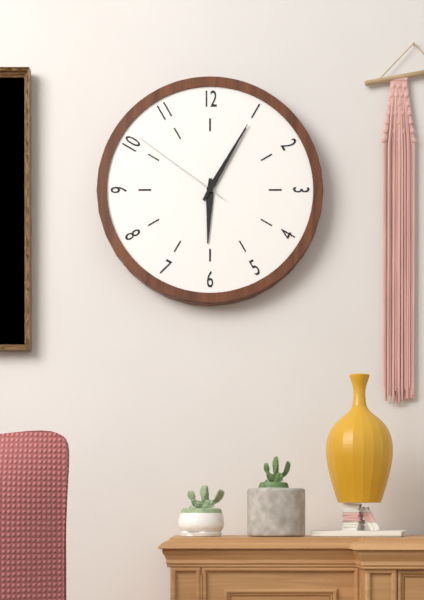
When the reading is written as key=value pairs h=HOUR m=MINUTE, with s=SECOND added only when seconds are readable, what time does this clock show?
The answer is h=6 m=5 s=51
